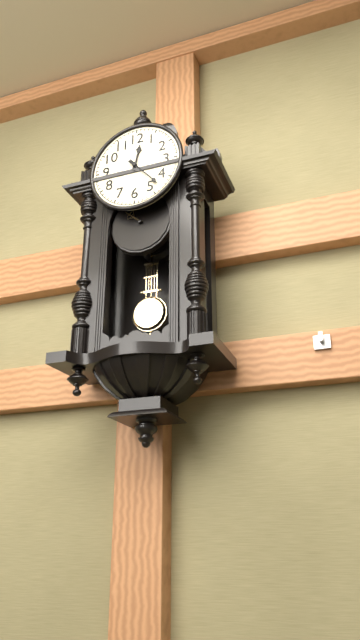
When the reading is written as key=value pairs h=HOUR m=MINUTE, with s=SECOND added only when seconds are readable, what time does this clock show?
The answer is h=12 m=23
